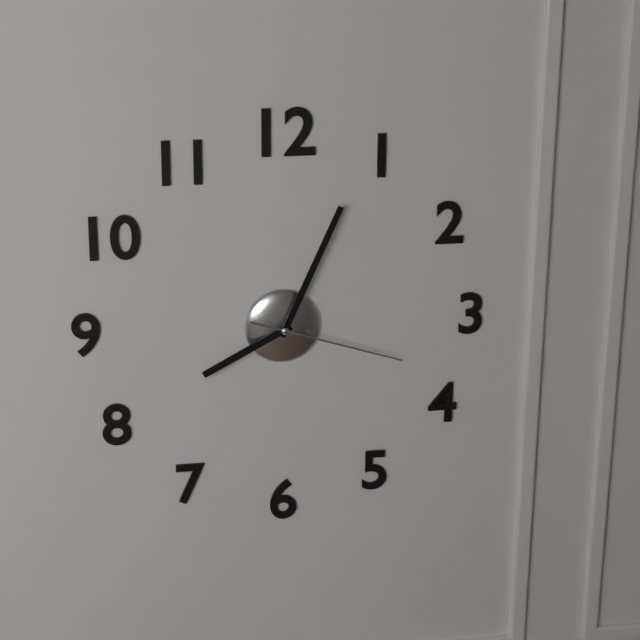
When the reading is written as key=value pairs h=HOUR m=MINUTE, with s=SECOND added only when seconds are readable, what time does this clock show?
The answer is h=8 m=4 s=18
